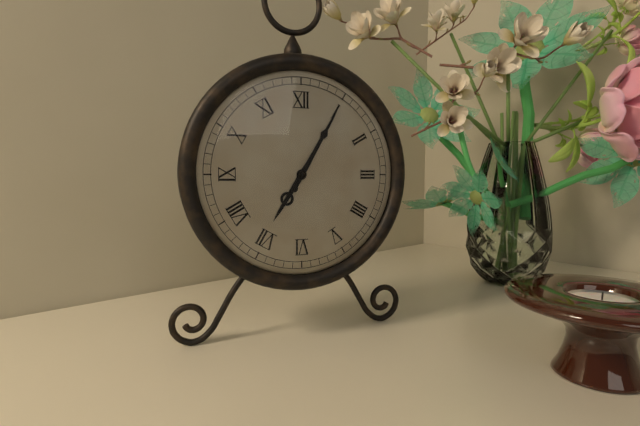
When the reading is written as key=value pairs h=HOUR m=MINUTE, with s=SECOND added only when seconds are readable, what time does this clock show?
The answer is h=7 m=5
